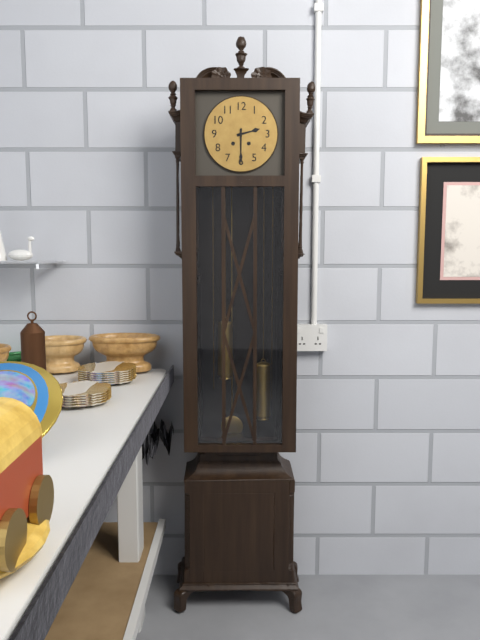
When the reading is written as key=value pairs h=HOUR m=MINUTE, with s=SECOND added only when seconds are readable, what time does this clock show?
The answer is h=2 m=30
